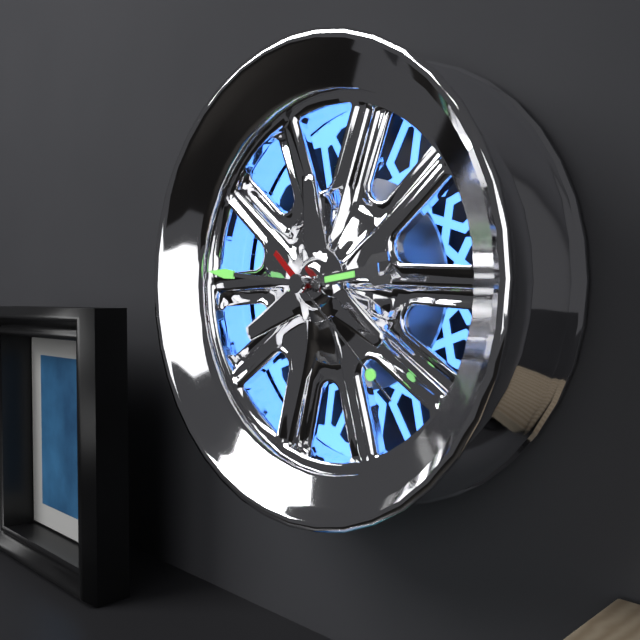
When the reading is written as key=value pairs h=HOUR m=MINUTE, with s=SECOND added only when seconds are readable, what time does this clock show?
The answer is h=2 m=46 s=22
